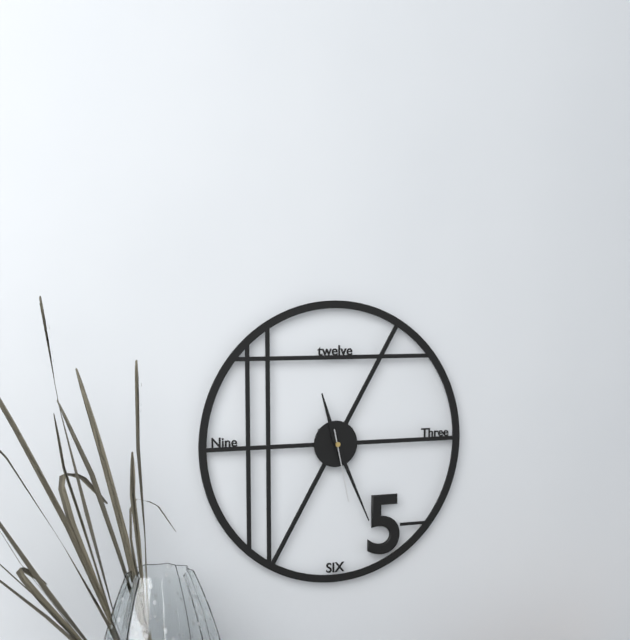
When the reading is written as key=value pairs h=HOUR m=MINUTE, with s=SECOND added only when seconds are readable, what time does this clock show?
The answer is h=11 m=26 s=28
